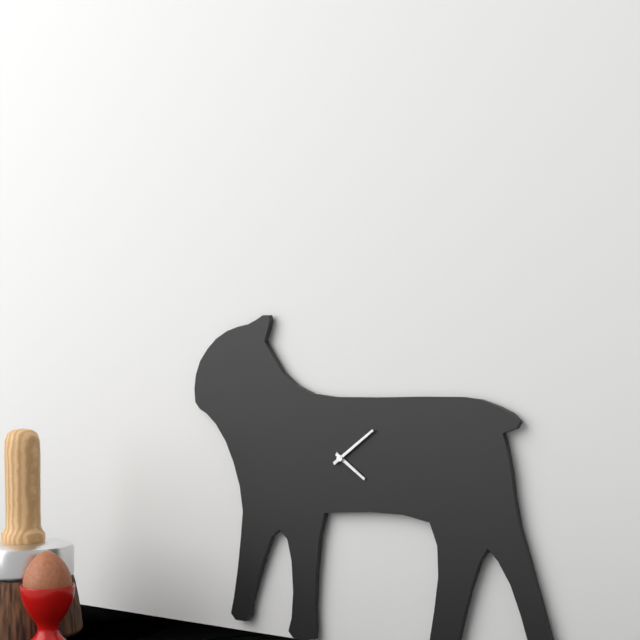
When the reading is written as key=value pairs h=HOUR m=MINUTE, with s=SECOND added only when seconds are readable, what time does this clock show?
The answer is h=4 m=9
